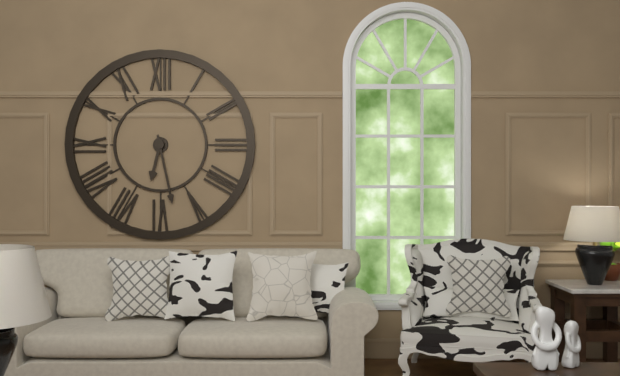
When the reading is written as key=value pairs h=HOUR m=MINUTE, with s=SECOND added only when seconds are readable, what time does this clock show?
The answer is h=6 m=28
